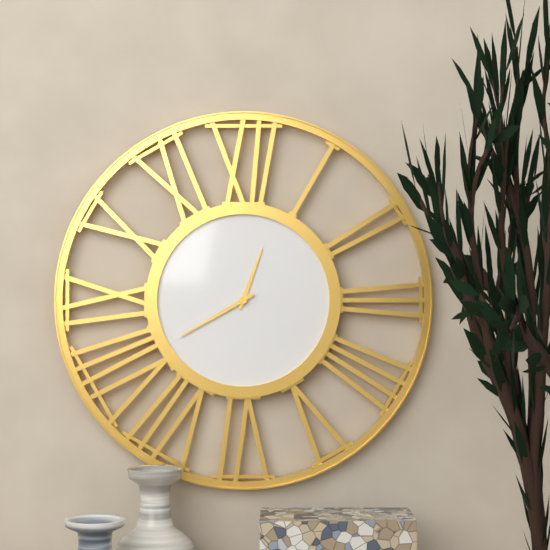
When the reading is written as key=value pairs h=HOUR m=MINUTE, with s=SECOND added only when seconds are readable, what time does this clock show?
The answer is h=12 m=40
